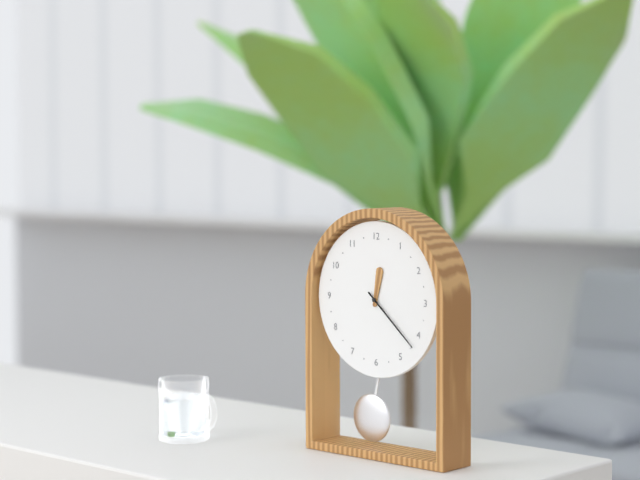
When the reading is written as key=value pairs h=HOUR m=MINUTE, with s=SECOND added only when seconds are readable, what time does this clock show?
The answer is h=12 m=22
